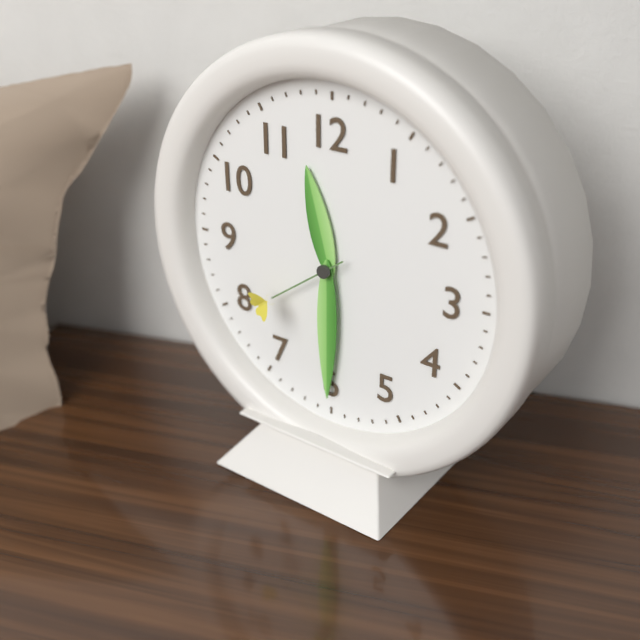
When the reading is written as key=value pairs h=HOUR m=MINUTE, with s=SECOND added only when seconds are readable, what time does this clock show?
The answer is h=11 m=30 s=39
